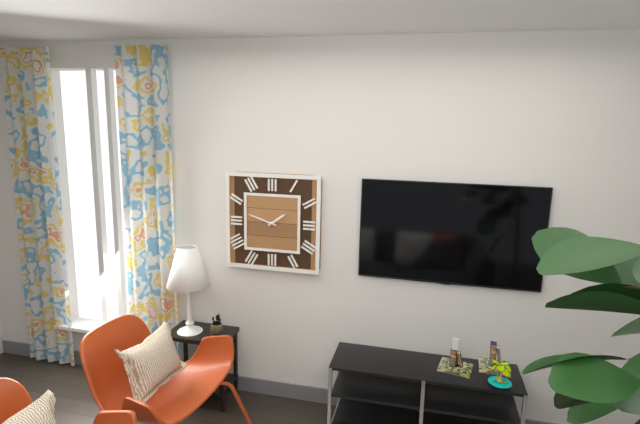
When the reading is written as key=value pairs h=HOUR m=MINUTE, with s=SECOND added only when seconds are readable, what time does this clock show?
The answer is h=1 m=48
